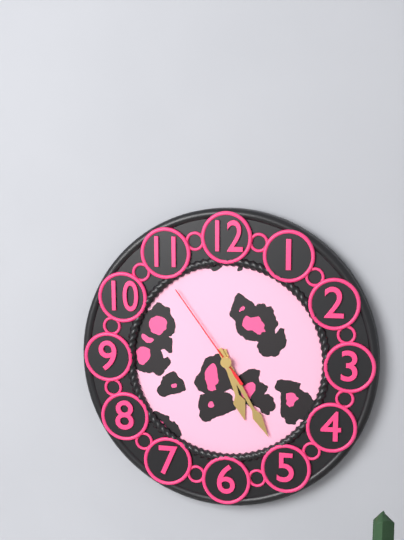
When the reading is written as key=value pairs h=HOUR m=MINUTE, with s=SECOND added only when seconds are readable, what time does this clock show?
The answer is h=5 m=25 s=54
